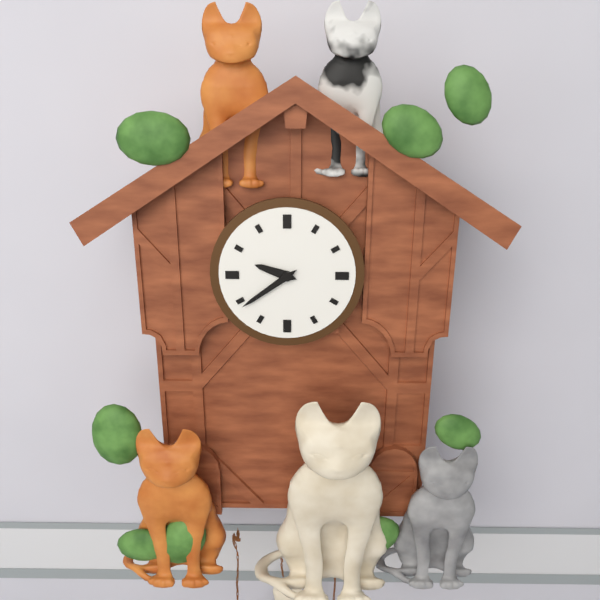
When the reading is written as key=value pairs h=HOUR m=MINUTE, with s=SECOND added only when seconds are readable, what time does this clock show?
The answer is h=9 m=39
